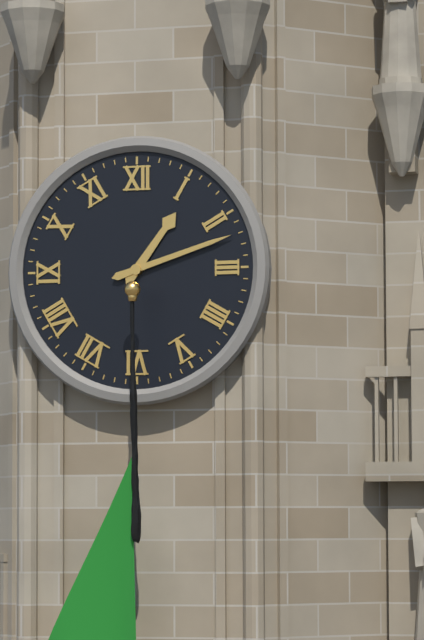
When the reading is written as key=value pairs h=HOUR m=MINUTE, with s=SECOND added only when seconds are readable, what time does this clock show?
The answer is h=1 m=12
